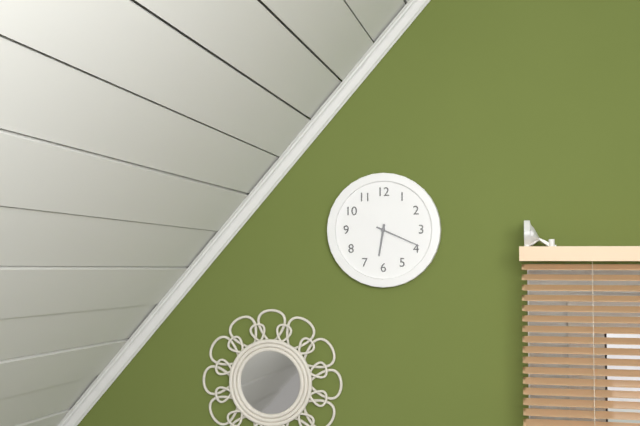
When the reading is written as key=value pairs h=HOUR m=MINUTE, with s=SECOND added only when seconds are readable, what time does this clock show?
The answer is h=6 m=19
